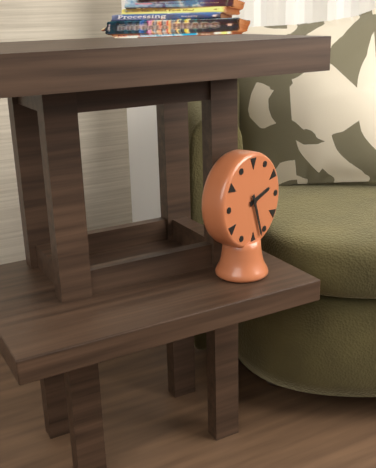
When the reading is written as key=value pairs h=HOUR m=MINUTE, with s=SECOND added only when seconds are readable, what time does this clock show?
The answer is h=2 m=27
